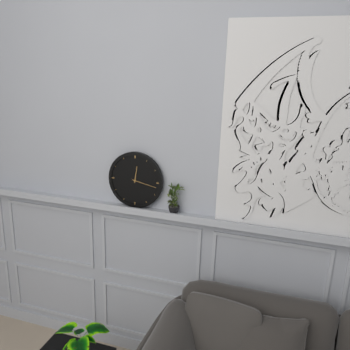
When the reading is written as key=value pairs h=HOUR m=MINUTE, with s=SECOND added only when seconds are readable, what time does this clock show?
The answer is h=12 m=17
